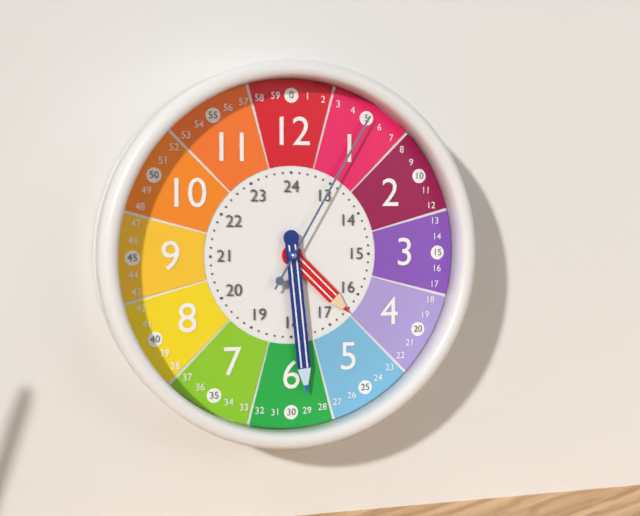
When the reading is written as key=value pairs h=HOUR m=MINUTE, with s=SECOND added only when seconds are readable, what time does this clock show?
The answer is h=4 m=29 s=5
